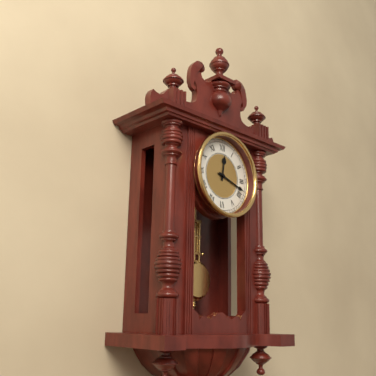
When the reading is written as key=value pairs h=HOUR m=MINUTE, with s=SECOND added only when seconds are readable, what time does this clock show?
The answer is h=12 m=18
